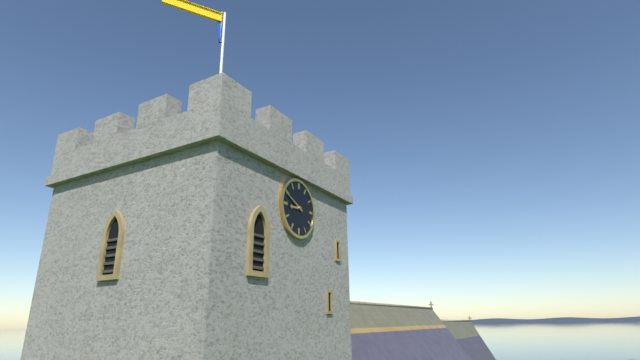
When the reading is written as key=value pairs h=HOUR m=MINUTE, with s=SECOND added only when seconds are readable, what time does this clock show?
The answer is h=8 m=49
